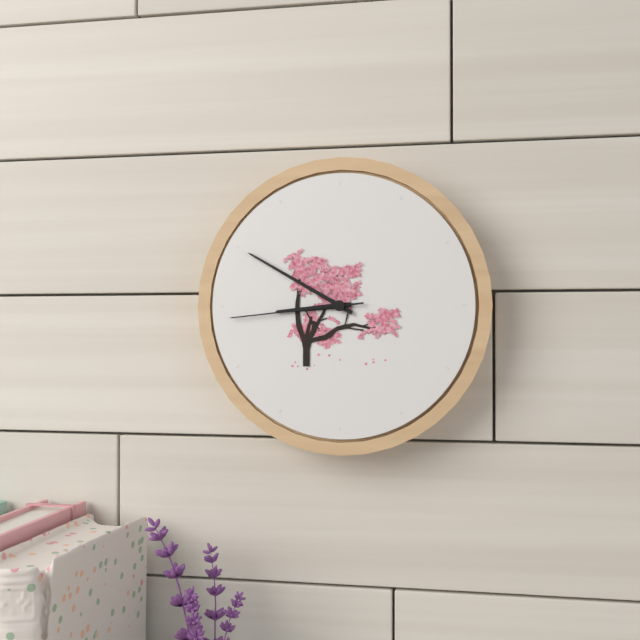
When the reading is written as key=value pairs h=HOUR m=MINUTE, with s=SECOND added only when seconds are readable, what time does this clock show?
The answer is h=8 m=50 s=44
